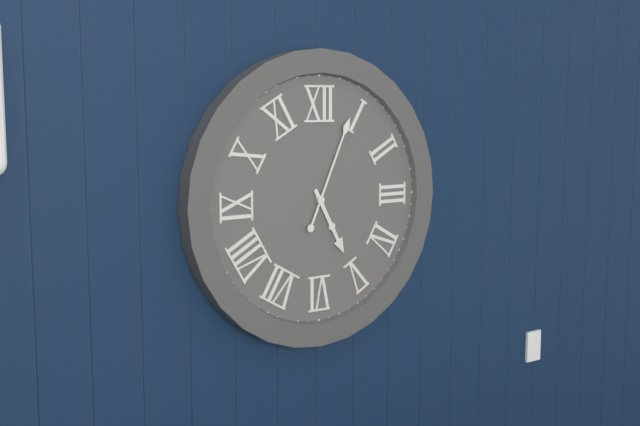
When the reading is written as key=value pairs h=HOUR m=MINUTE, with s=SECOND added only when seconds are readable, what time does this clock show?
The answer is h=5 m=4
